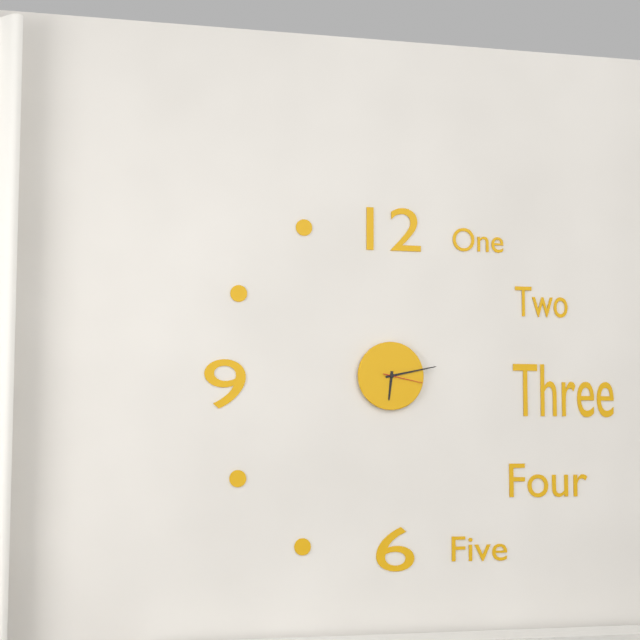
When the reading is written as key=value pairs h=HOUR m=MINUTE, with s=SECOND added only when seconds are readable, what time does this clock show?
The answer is h=6 m=13
